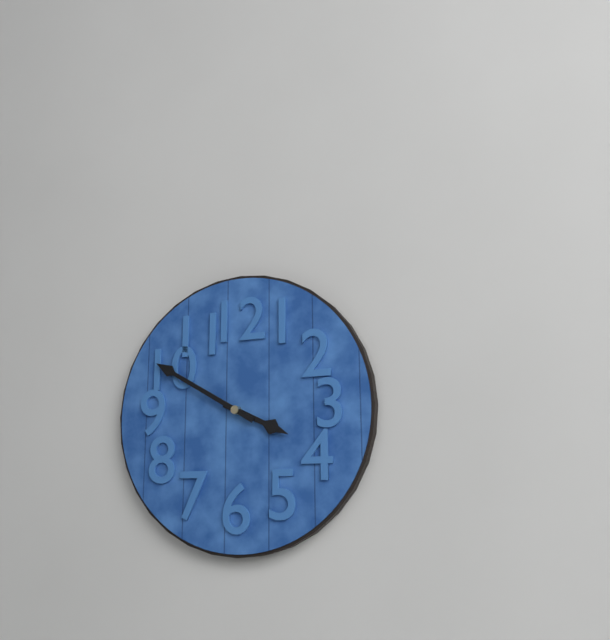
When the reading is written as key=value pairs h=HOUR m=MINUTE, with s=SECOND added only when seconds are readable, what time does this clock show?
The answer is h=3 m=50
